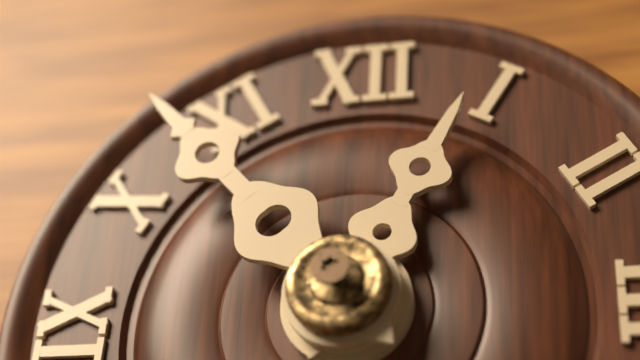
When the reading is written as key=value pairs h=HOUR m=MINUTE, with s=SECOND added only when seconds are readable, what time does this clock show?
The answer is h=12 m=53
